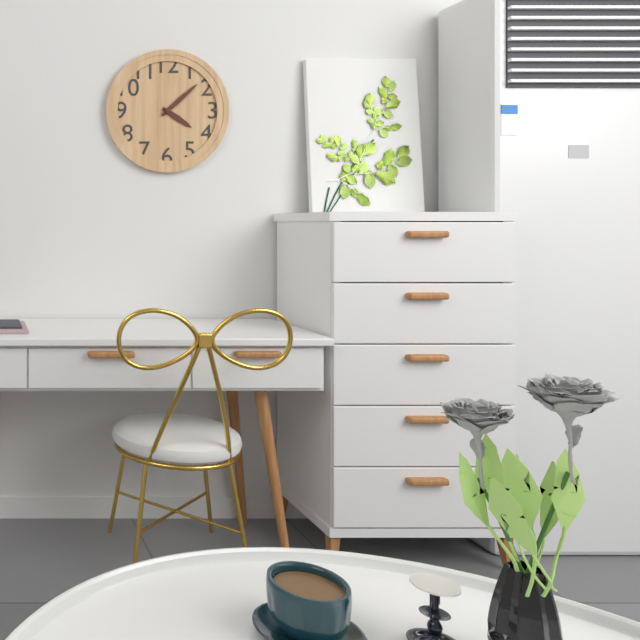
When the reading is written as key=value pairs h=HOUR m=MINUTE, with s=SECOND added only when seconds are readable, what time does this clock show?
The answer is h=4 m=8
